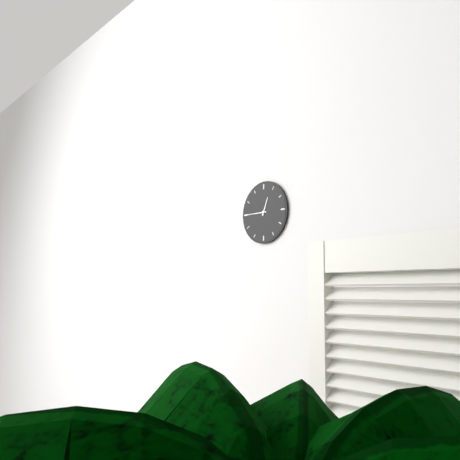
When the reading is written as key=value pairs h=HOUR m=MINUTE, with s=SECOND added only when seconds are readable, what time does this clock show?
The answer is h=12 m=45
